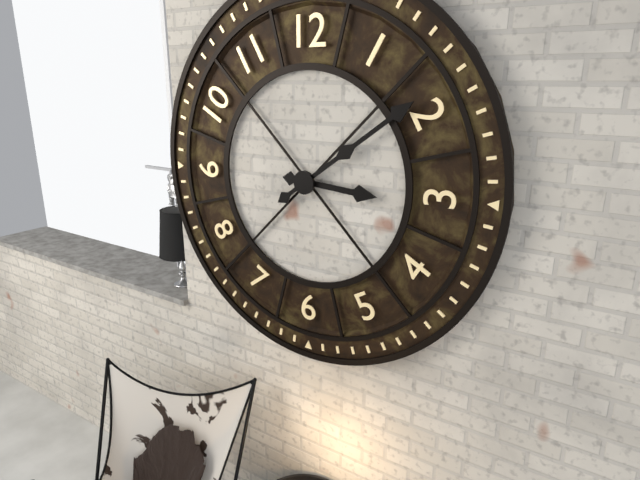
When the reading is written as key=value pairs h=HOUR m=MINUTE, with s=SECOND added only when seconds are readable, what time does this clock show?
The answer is h=3 m=9
